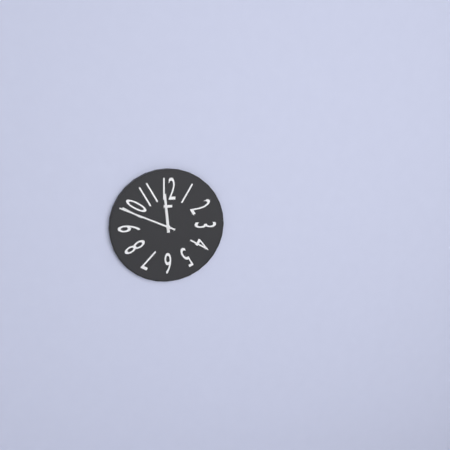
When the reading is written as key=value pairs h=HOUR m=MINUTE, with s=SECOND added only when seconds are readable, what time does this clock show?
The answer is h=11 m=49
